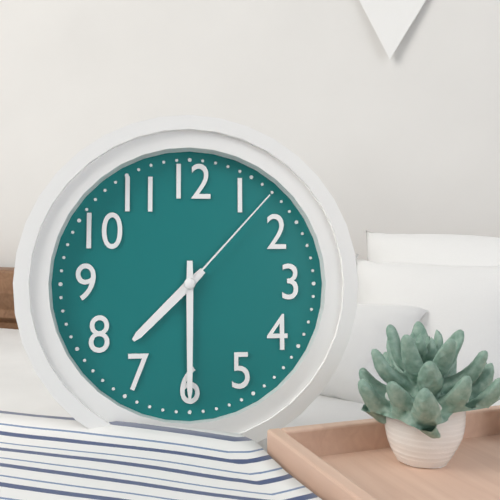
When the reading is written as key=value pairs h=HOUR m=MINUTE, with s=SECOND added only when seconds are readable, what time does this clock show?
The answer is h=7 m=30 s=7
